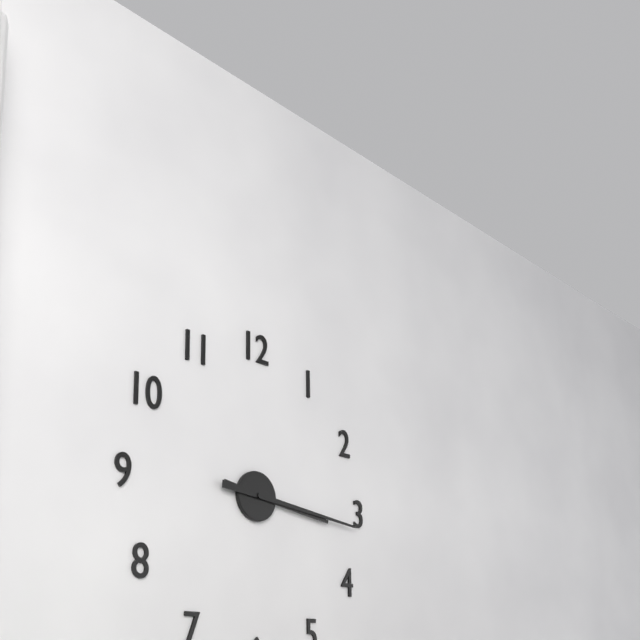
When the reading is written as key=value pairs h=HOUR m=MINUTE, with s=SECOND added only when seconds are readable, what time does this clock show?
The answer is h=3 m=16
